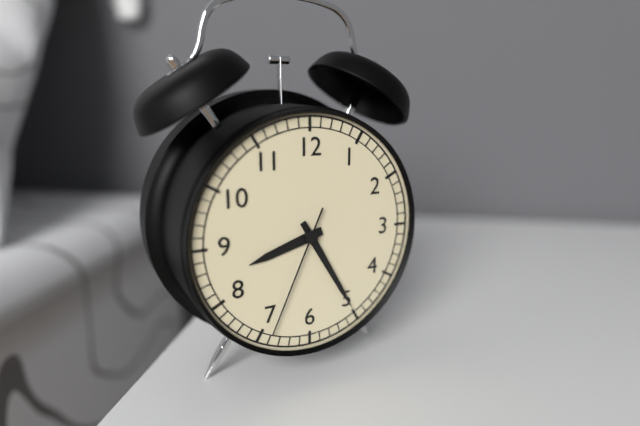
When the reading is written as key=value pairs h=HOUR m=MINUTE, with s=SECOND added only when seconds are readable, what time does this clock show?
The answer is h=8 m=25 s=34
